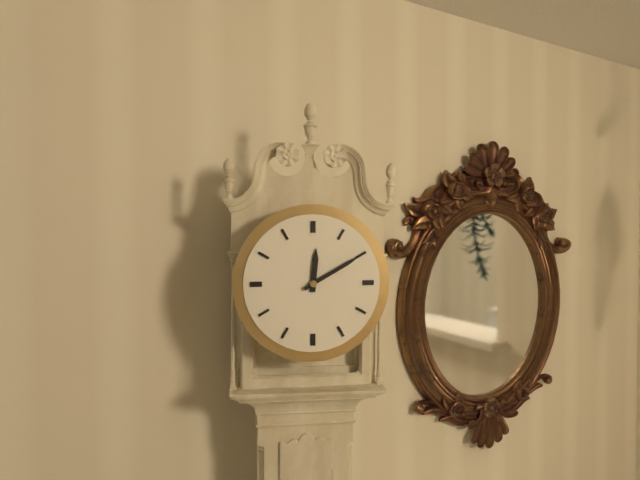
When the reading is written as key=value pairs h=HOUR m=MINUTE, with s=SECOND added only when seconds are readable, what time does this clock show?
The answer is h=12 m=10
